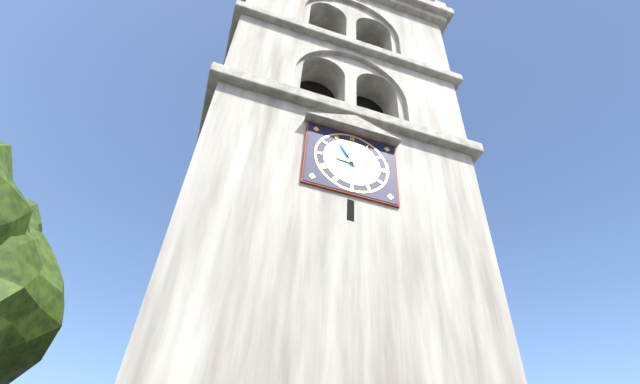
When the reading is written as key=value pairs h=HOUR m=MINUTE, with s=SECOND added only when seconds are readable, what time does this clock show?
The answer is h=8 m=55
